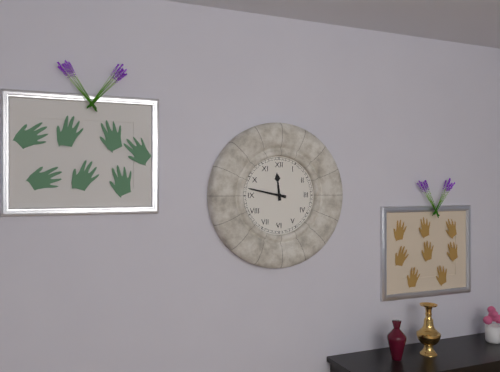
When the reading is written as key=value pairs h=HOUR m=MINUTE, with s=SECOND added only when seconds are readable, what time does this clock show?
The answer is h=11 m=47
